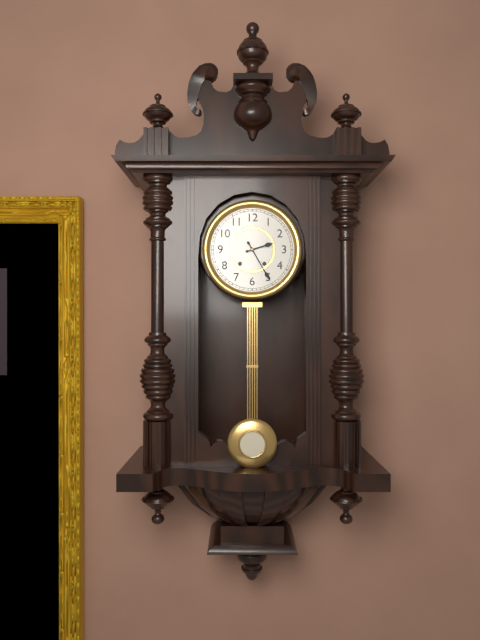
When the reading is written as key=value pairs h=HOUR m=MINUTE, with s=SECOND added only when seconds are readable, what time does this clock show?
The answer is h=2 m=25
